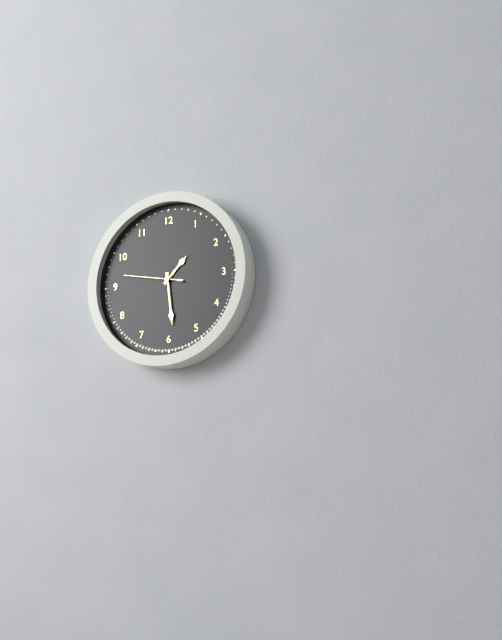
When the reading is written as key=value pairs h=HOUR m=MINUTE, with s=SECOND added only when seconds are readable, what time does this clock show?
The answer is h=1 m=29 s=47
